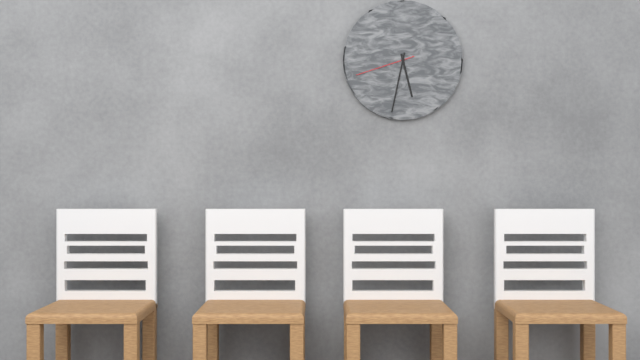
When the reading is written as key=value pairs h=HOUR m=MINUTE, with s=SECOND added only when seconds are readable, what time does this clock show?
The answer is h=5 m=32 s=42
